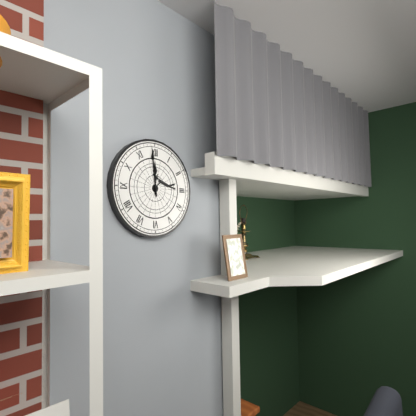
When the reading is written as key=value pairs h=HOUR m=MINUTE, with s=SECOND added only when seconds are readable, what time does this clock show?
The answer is h=11 m=59
